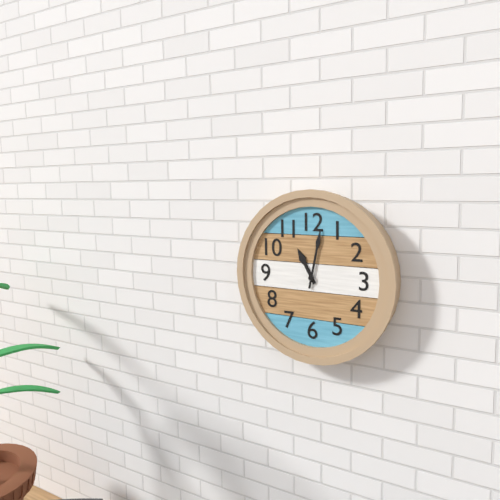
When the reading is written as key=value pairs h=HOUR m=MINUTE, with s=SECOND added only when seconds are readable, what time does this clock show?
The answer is h=11 m=2
